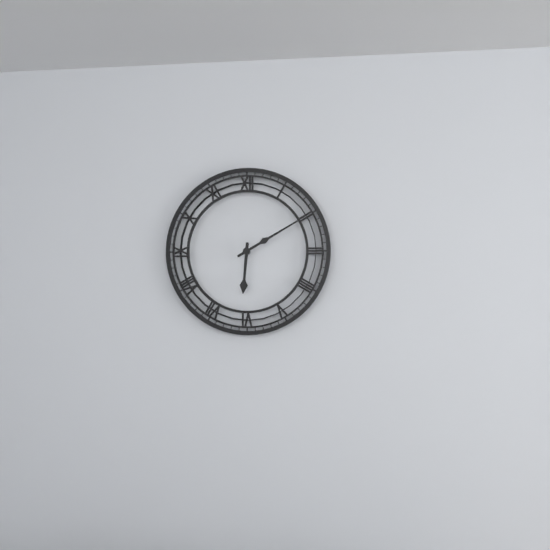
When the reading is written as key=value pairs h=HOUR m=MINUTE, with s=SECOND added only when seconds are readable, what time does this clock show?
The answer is h=6 m=10
